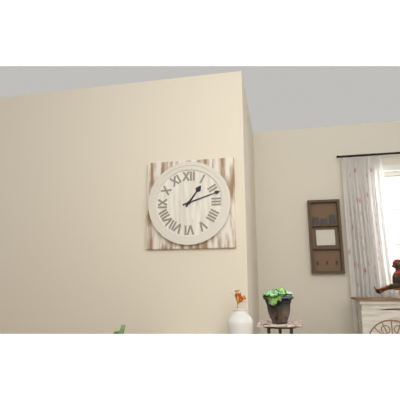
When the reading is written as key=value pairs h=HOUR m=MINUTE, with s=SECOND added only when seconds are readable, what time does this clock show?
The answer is h=1 m=12
